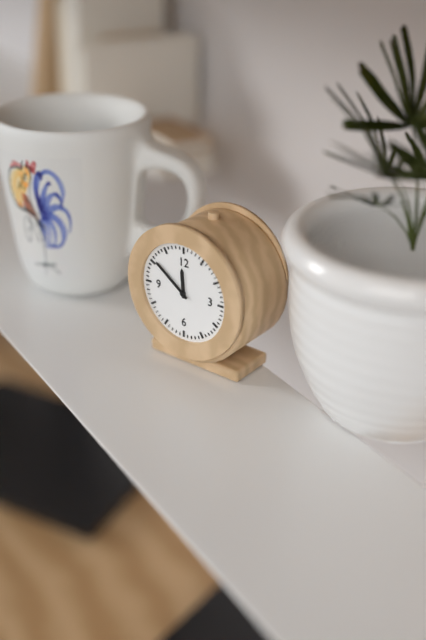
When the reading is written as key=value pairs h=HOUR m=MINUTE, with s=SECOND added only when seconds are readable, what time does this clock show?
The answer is h=11 m=51
